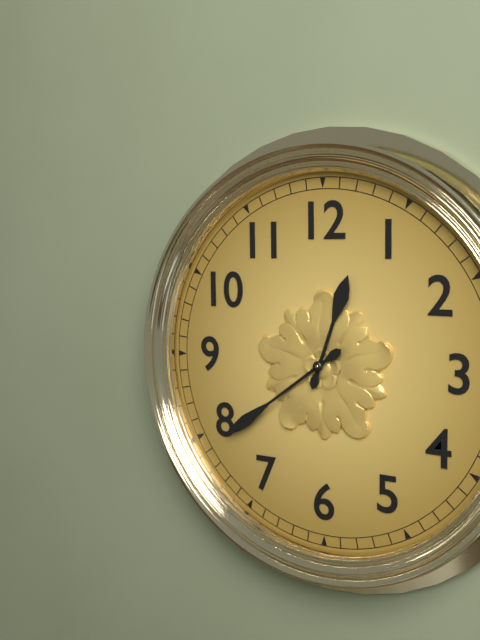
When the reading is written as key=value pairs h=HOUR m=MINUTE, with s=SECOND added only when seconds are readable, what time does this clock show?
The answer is h=12 m=39
